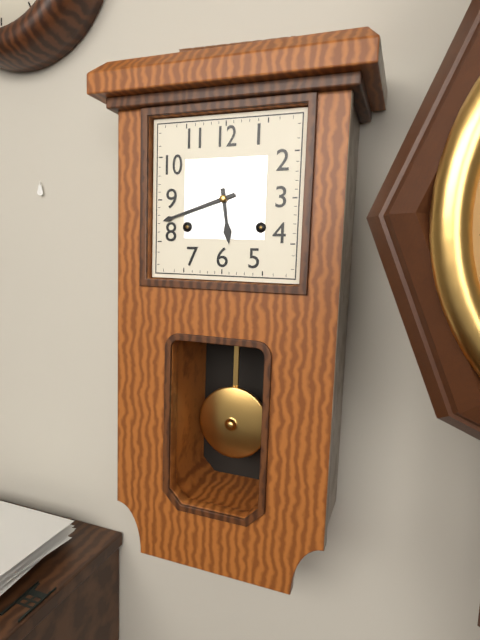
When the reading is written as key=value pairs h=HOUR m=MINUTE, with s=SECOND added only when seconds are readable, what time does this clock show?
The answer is h=5 m=42
